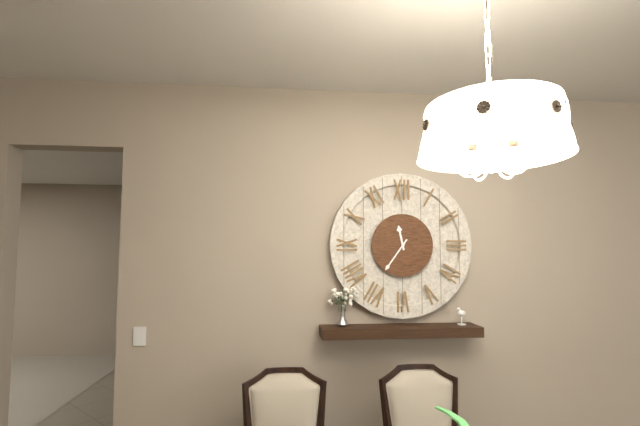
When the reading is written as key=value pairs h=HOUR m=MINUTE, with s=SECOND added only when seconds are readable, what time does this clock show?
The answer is h=11 m=36
